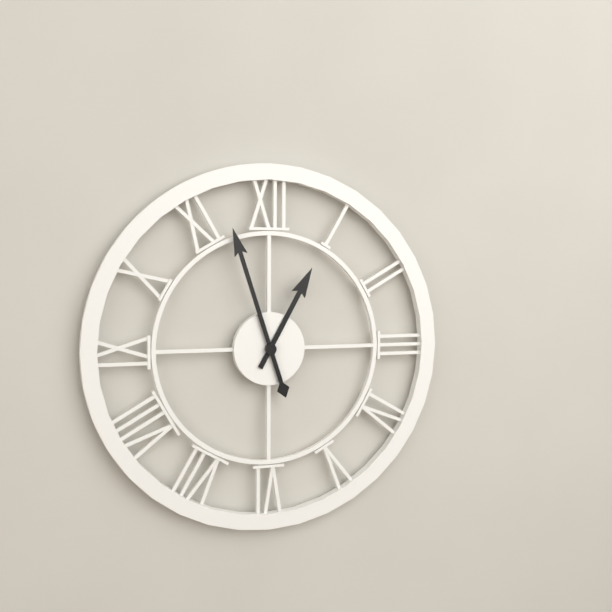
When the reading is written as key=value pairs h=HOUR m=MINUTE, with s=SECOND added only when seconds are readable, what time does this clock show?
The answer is h=12 m=57
